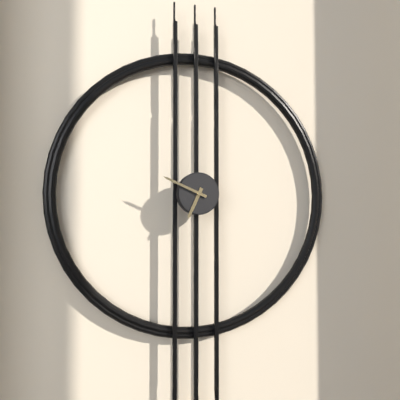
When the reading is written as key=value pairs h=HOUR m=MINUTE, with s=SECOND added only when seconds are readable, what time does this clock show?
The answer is h=6 m=49
